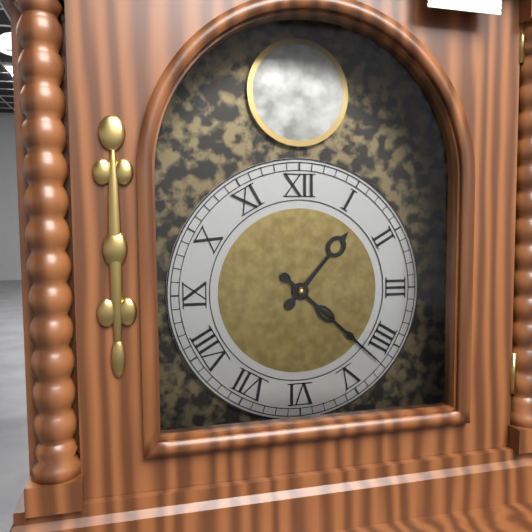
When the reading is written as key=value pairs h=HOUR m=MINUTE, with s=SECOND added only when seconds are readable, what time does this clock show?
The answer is h=1 m=22
